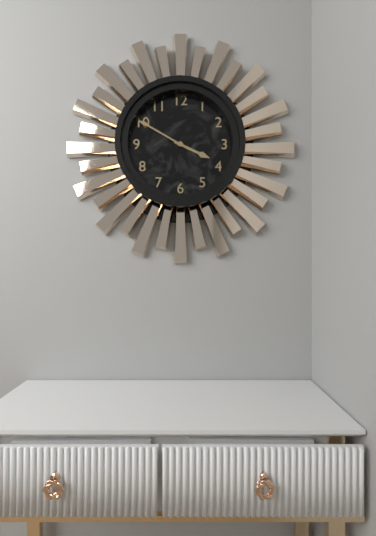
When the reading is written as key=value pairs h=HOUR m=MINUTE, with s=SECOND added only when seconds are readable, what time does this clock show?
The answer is h=3 m=50
